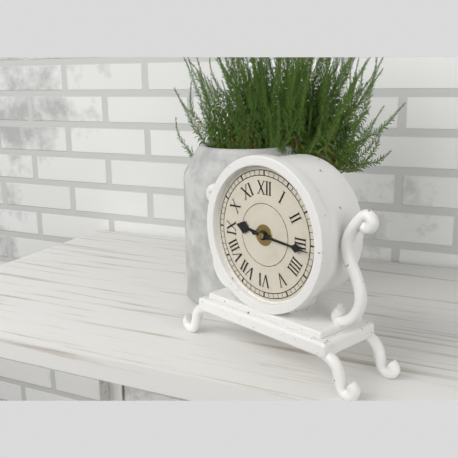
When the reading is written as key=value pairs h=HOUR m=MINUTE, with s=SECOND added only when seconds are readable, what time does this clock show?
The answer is h=9 m=16
